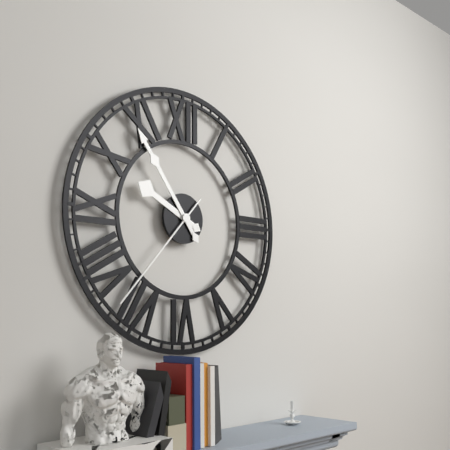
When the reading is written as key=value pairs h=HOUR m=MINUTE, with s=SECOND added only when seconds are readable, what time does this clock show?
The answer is h=9 m=54 s=37
